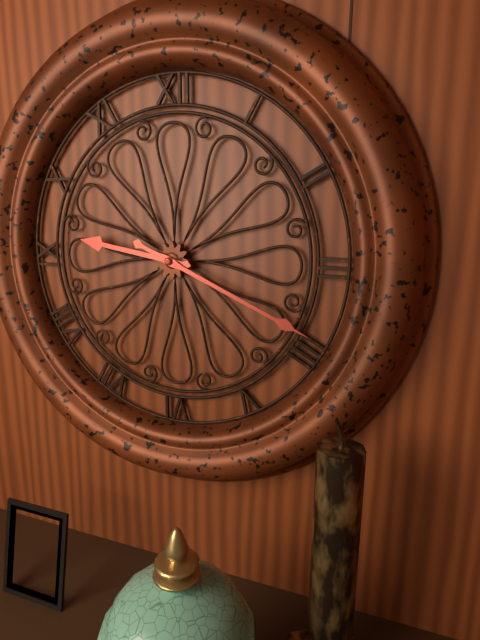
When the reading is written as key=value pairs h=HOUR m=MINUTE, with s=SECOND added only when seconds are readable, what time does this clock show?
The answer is h=9 m=19
